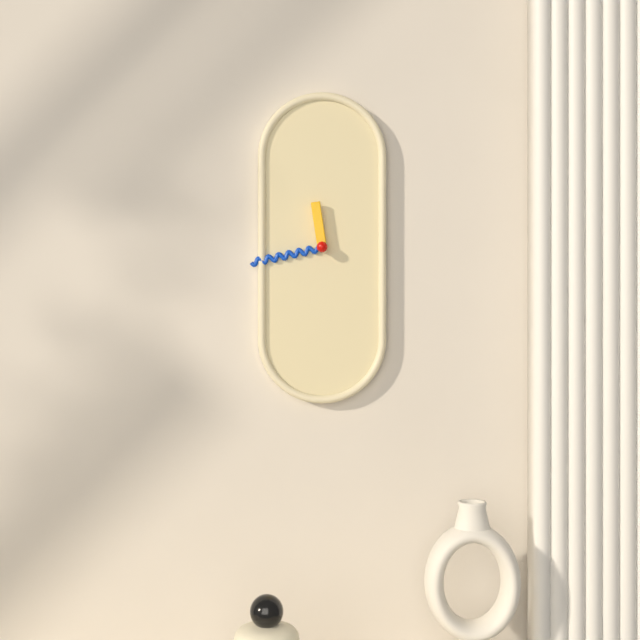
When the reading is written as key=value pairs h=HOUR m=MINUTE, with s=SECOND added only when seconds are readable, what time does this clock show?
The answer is h=11 m=43
